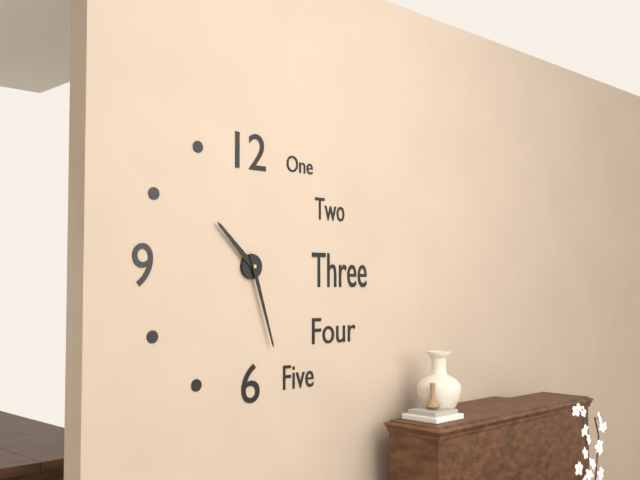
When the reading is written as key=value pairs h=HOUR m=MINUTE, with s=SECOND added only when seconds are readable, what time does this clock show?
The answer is h=10 m=27
